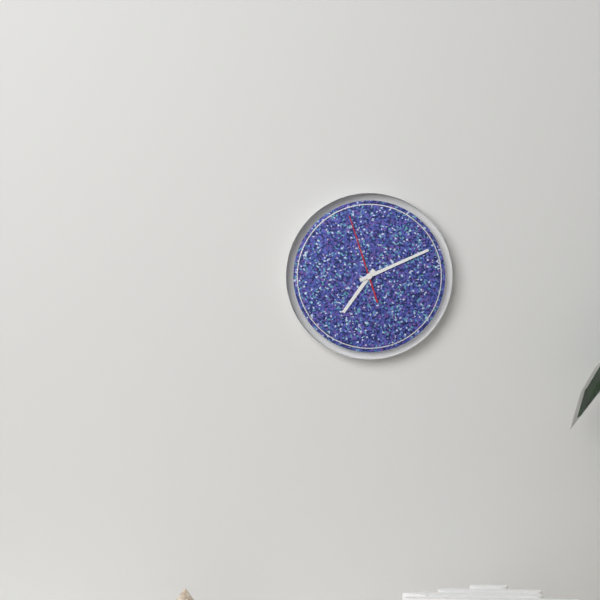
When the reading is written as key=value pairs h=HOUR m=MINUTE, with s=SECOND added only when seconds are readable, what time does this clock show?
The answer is h=7 m=11 s=57
